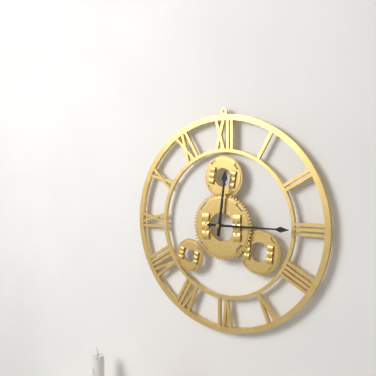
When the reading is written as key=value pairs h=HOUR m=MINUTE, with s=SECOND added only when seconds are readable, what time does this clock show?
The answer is h=12 m=15
